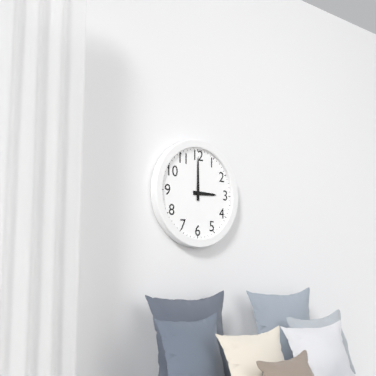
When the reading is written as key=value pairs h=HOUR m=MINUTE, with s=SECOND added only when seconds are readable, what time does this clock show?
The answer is h=3 m=0
